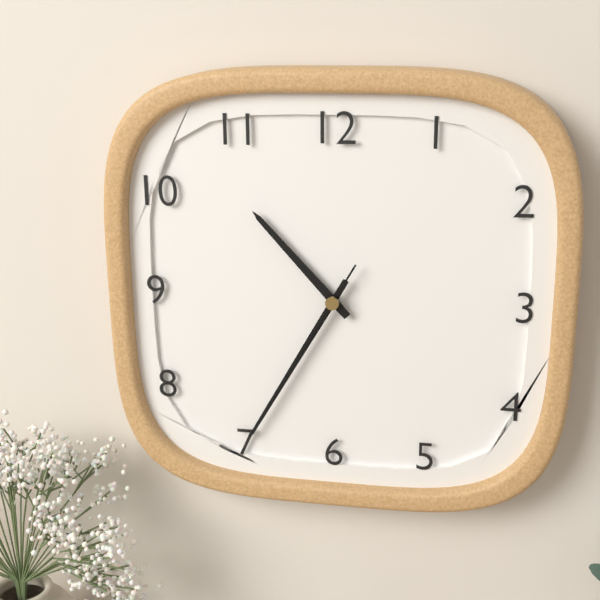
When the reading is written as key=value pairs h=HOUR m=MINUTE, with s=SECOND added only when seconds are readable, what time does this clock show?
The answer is h=10 m=35 s=35
